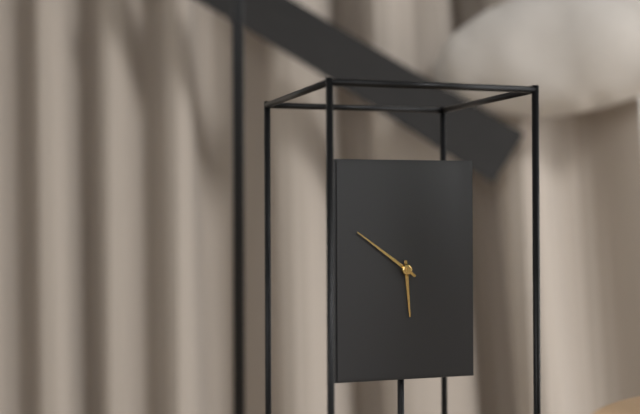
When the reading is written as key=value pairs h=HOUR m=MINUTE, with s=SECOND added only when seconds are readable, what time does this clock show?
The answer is h=5 m=51
